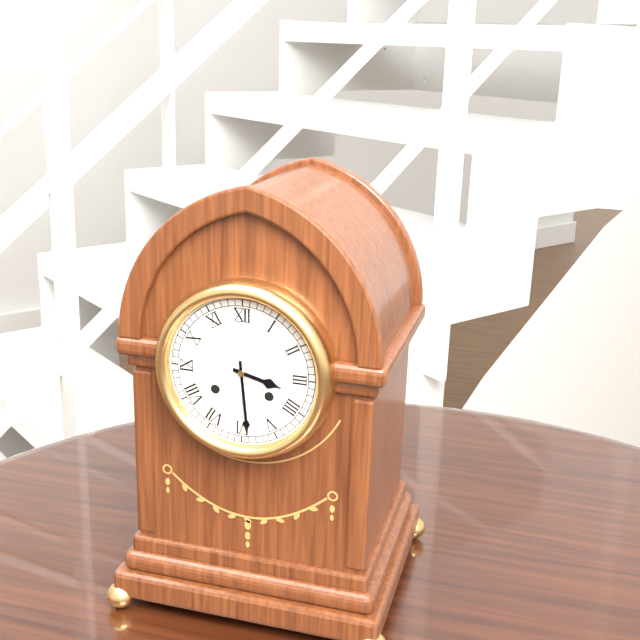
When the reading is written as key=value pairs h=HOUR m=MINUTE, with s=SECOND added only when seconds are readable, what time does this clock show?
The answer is h=3 m=29
